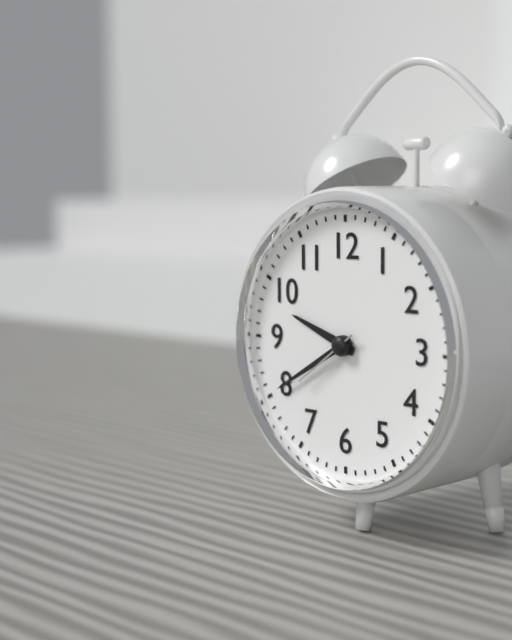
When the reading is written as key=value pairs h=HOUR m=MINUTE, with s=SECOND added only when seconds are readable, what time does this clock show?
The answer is h=9 m=40 s=39
